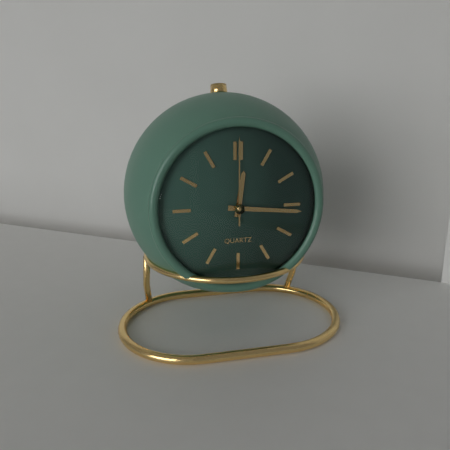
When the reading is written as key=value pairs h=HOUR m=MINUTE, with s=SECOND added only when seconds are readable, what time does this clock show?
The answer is h=12 m=16 s=0
